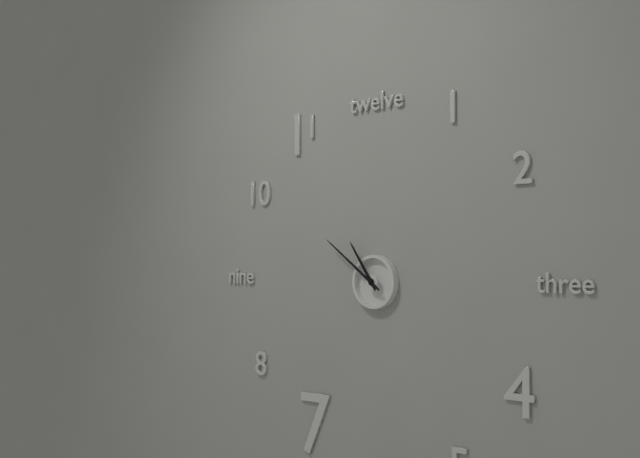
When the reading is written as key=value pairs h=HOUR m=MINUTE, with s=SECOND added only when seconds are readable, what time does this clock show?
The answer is h=10 m=51
